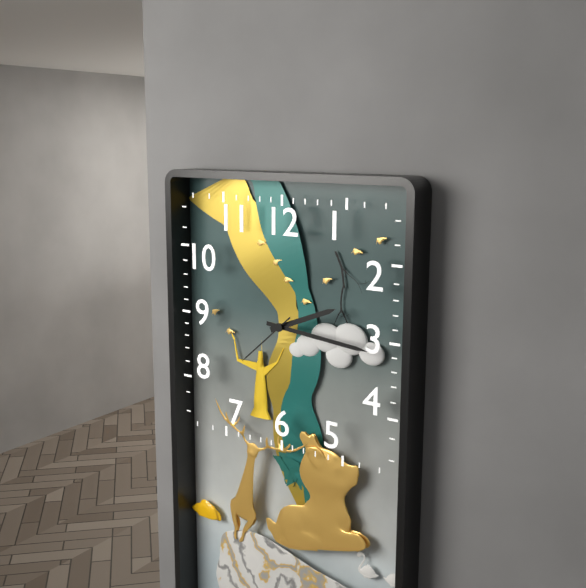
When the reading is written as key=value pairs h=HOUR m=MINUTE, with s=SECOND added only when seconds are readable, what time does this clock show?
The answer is h=2 m=16 s=38
